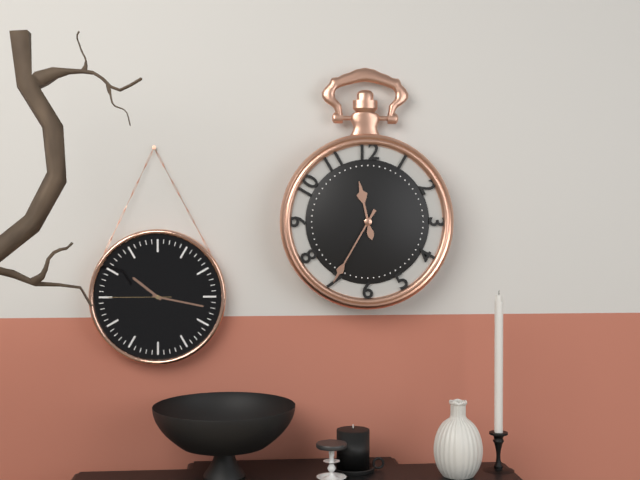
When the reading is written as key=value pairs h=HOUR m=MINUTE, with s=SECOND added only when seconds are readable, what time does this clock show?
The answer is h=11 m=35
